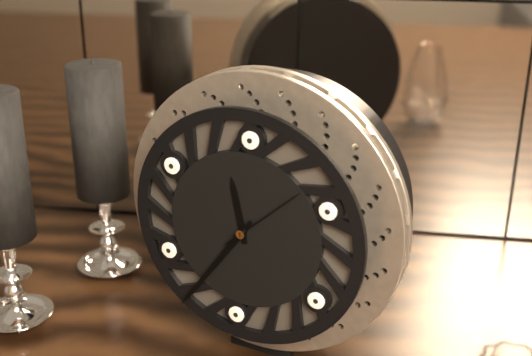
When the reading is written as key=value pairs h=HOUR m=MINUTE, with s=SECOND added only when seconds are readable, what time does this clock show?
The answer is h=11 m=36 s=8
